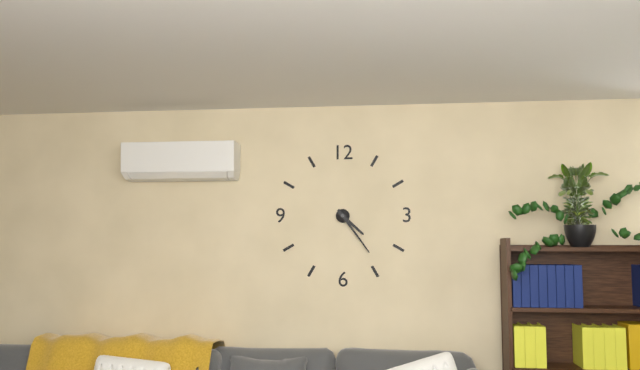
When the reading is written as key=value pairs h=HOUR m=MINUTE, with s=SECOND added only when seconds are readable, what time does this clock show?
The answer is h=4 m=24
